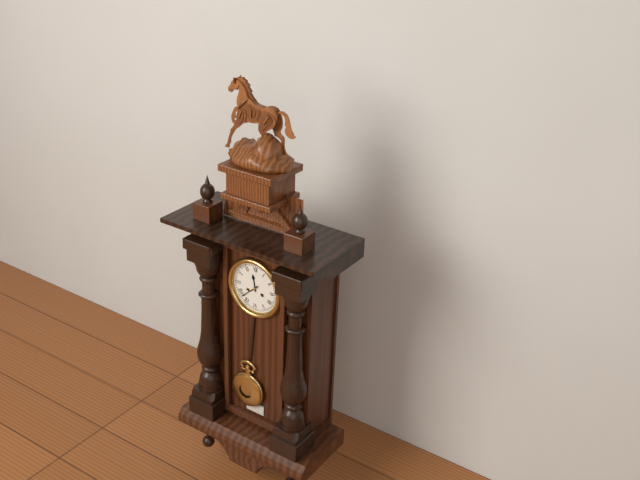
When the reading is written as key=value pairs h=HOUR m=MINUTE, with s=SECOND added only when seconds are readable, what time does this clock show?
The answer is h=11 m=38
